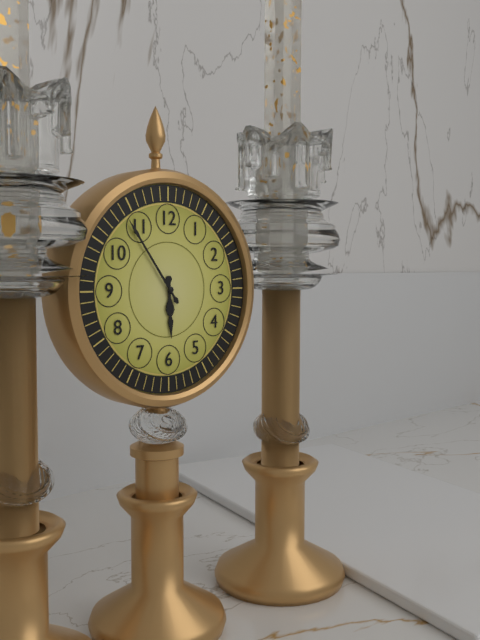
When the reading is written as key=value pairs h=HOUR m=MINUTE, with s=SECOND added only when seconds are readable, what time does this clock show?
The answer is h=5 m=54
